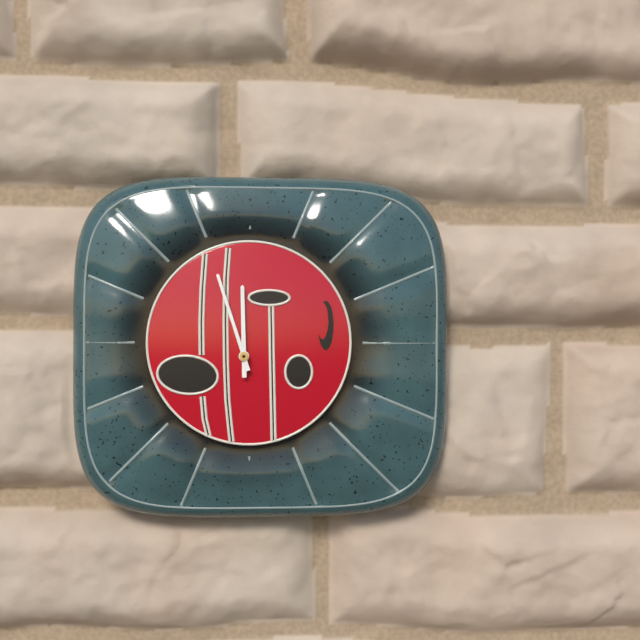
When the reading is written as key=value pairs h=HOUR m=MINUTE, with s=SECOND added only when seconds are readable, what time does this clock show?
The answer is h=11 m=57
